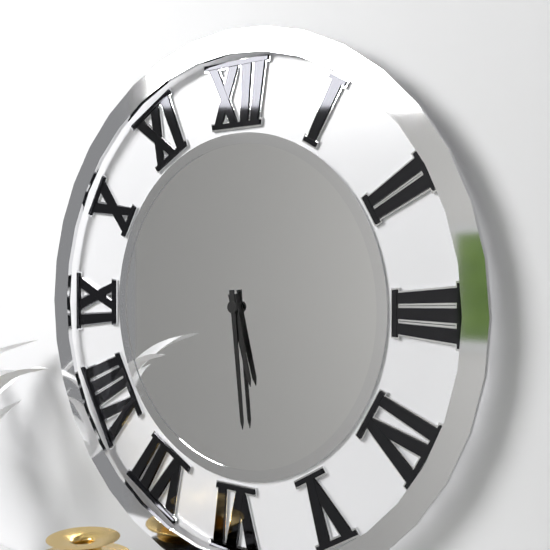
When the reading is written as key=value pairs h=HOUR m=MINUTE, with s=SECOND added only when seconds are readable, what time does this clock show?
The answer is h=5 m=29
